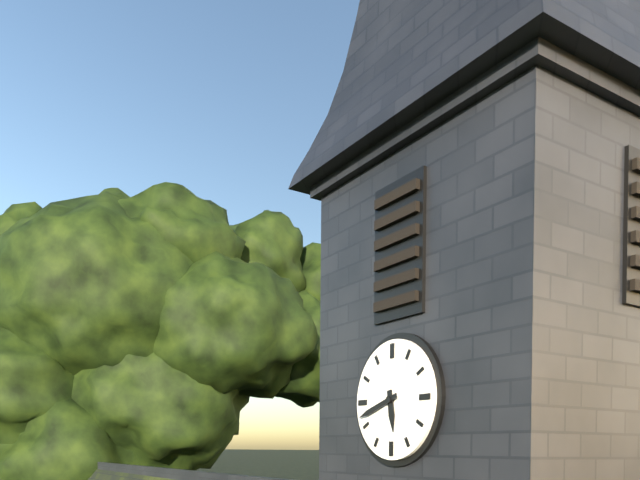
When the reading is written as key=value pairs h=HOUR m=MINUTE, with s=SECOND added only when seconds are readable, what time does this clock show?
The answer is h=5 m=42
